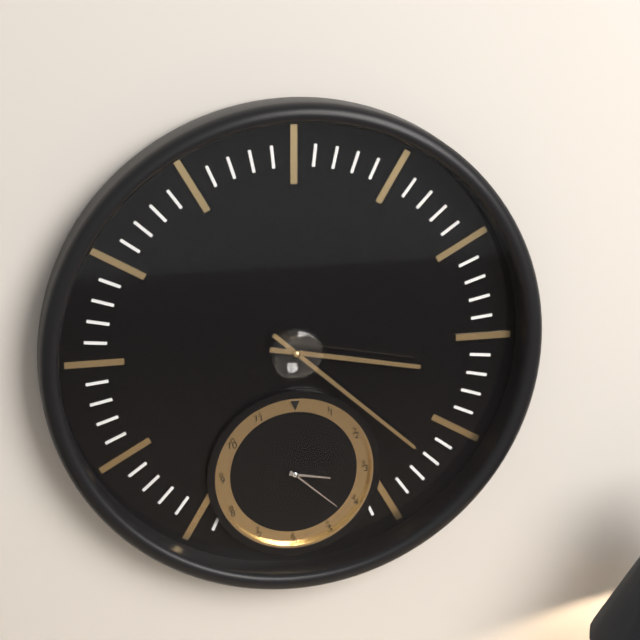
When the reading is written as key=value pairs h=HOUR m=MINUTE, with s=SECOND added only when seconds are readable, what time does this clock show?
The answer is h=3 m=22
